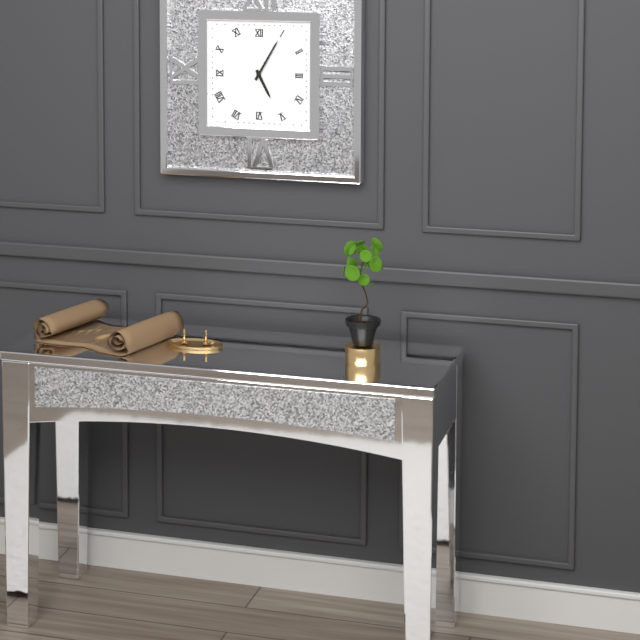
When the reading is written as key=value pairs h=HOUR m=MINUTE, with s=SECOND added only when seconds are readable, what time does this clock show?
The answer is h=5 m=5
